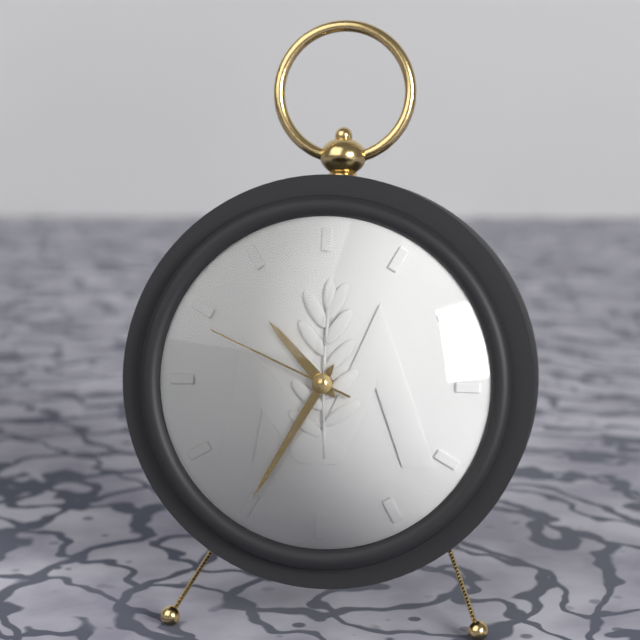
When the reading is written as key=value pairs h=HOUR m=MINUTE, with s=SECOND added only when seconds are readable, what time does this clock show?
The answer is h=10 m=35 s=49
